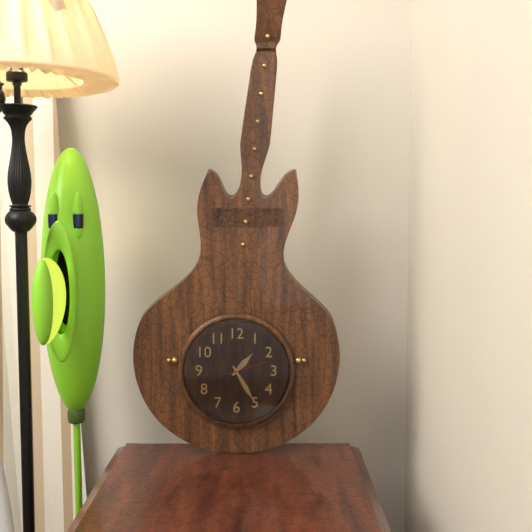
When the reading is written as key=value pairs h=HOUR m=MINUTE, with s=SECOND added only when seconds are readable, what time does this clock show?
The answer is h=1 m=25
